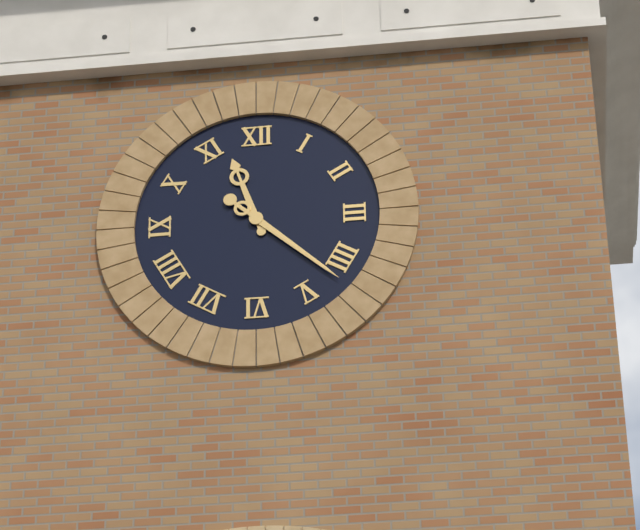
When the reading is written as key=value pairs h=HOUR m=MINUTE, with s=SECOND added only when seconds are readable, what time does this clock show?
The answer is h=11 m=22
